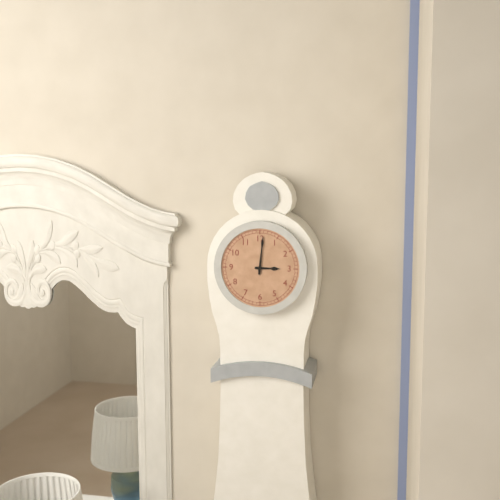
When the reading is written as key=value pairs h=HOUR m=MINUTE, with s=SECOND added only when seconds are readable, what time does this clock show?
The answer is h=3 m=1
